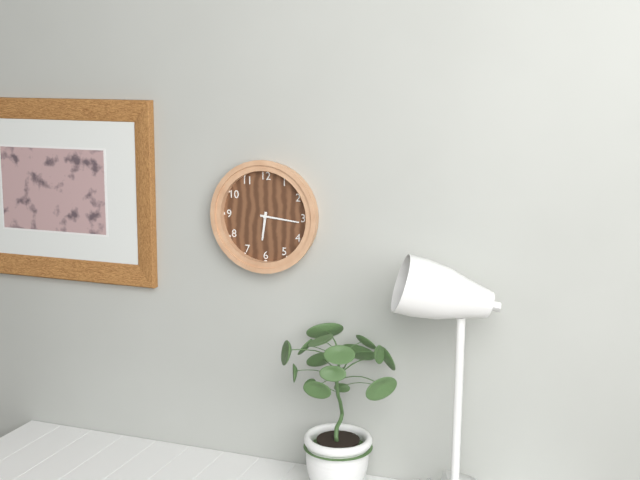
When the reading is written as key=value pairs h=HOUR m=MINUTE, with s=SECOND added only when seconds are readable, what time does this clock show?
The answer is h=6 m=16
